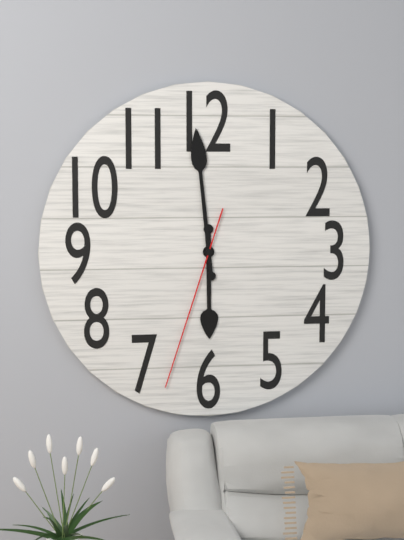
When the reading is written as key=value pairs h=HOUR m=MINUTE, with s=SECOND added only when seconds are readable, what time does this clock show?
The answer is h=5 m=59 s=33
